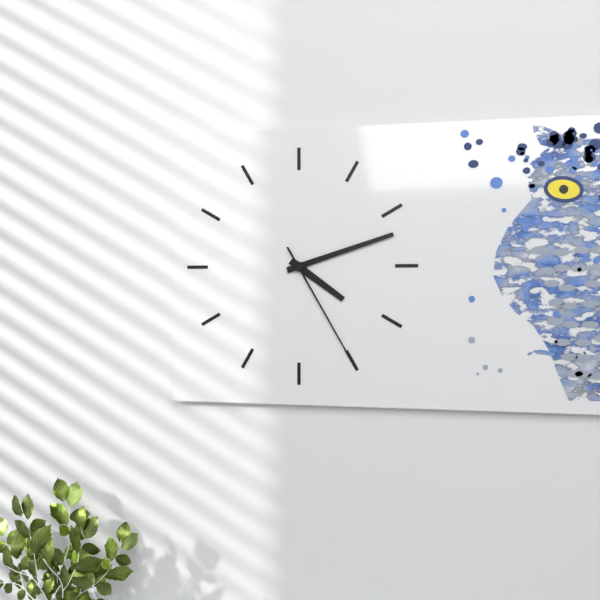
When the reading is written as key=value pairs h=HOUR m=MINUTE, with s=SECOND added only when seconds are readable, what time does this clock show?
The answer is h=4 m=12 s=25
